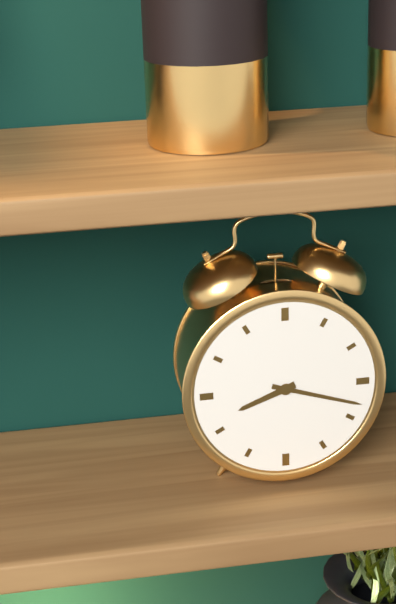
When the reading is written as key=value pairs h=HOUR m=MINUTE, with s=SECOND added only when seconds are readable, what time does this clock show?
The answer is h=8 m=18
